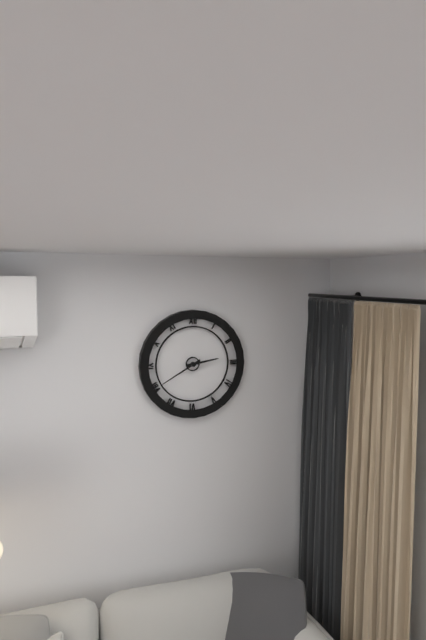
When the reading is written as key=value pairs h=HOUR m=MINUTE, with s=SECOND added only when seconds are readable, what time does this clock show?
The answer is h=2 m=40
